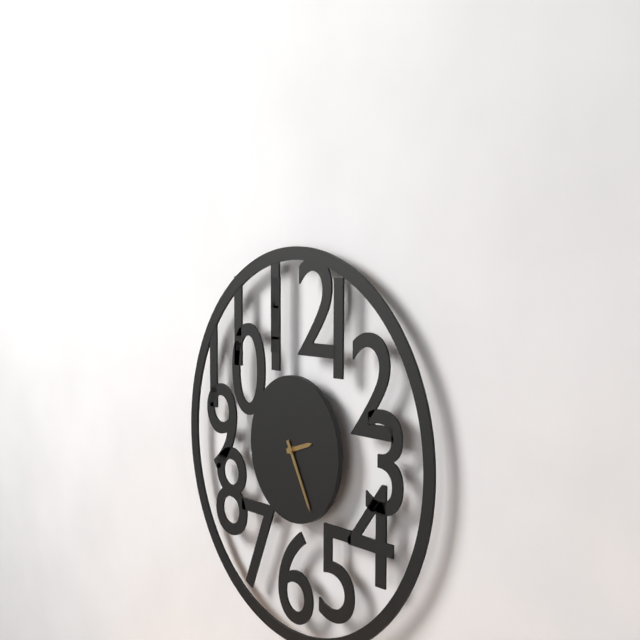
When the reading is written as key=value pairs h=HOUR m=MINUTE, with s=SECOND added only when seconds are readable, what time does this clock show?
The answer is h=2 m=25
